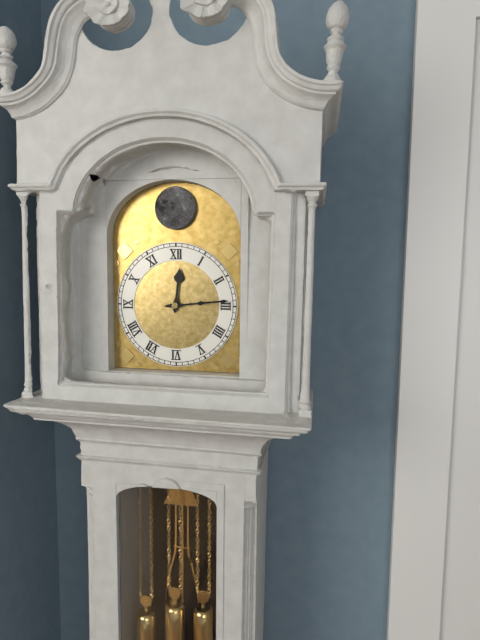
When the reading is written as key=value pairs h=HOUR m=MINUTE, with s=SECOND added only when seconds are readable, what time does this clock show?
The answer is h=12 m=14
